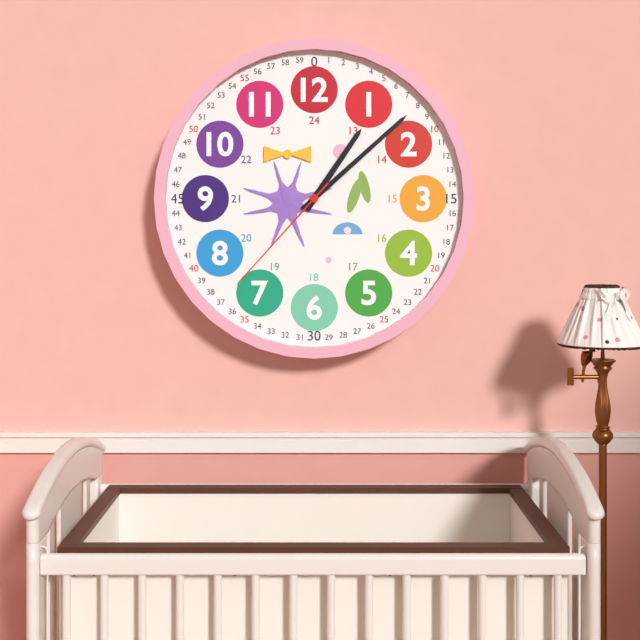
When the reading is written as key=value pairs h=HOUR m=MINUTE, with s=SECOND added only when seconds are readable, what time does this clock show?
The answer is h=1 m=8 s=37
